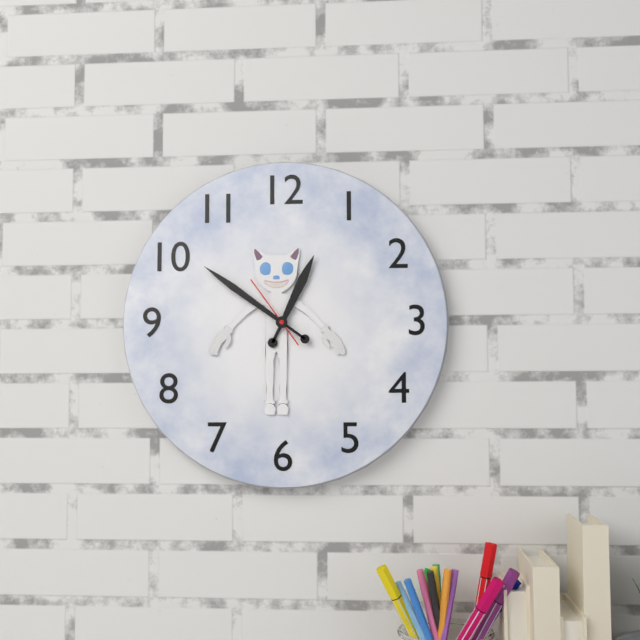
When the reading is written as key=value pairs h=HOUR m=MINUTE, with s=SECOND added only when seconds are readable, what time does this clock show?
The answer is h=12 m=51 s=54
